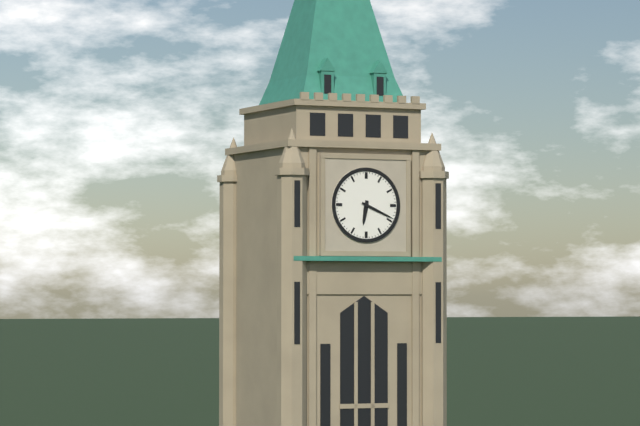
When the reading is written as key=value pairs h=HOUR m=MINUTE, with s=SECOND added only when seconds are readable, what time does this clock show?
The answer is h=6 m=19
